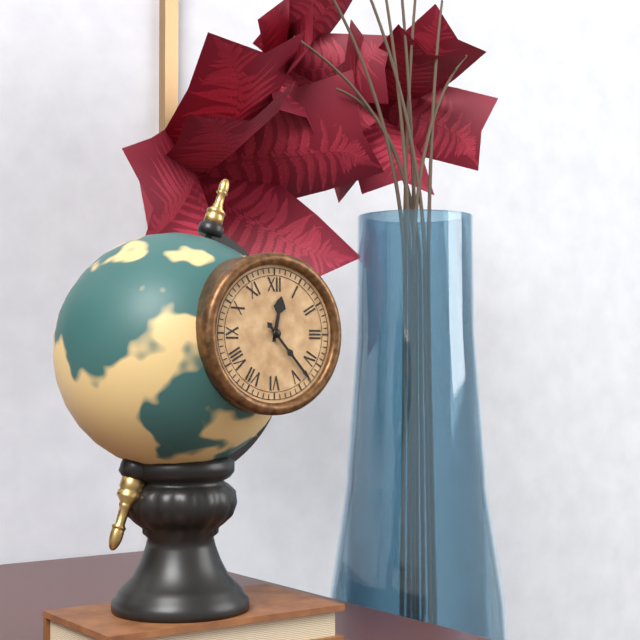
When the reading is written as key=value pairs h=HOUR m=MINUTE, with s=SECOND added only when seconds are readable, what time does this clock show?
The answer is h=12 m=23
